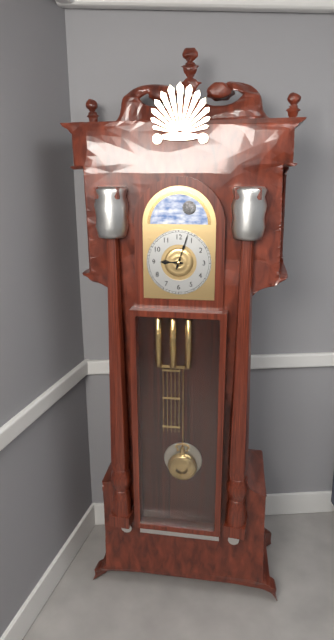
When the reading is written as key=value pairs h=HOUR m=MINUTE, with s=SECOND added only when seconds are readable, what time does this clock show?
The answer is h=9 m=3
